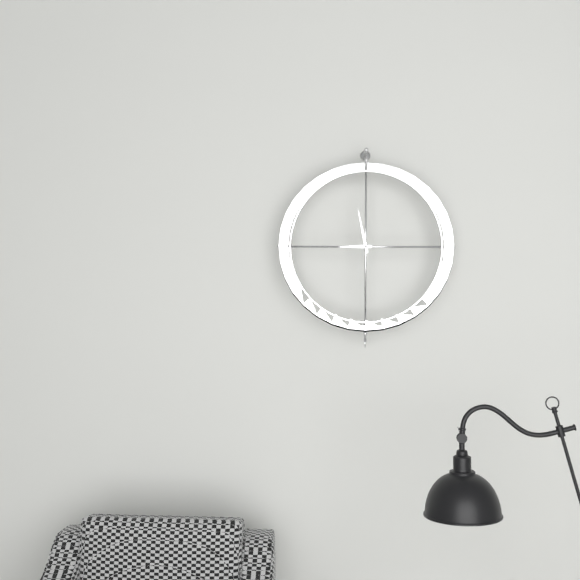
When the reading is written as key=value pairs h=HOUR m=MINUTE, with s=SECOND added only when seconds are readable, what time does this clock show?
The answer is h=8 m=58
